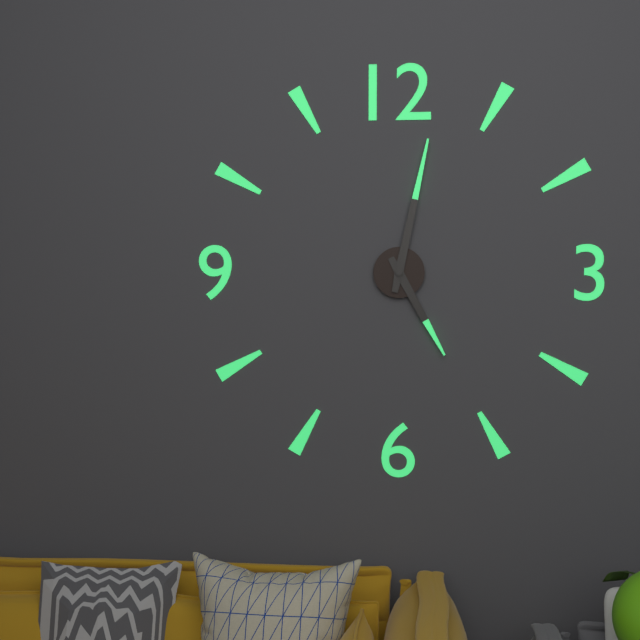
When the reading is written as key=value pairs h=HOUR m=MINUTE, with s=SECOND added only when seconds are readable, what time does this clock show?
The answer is h=5 m=2
